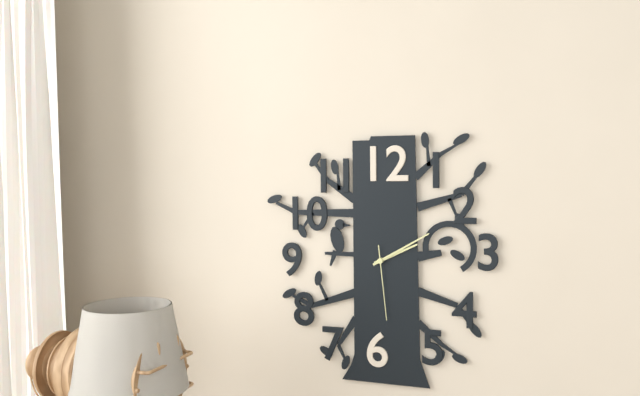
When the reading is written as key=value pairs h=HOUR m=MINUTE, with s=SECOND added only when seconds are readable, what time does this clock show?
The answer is h=2 m=10 s=29
